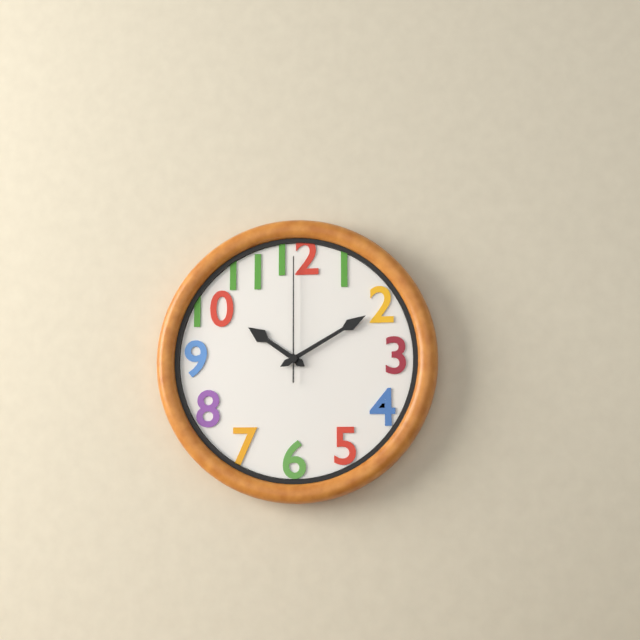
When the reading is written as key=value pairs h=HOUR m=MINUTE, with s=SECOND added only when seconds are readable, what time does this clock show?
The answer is h=10 m=10 s=0
